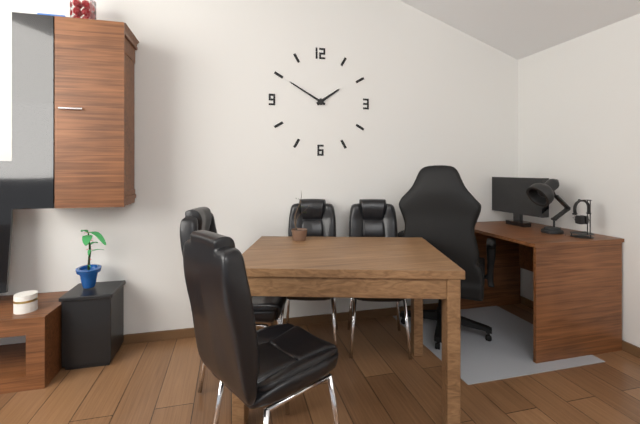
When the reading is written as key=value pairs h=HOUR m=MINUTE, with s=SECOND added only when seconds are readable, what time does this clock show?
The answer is h=1 m=50
